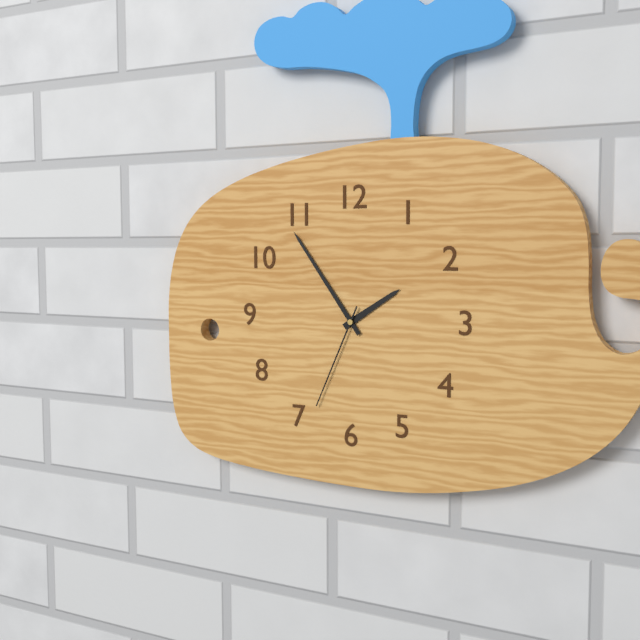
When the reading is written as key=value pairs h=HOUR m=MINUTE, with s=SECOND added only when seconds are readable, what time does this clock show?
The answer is h=1 m=54 s=34
